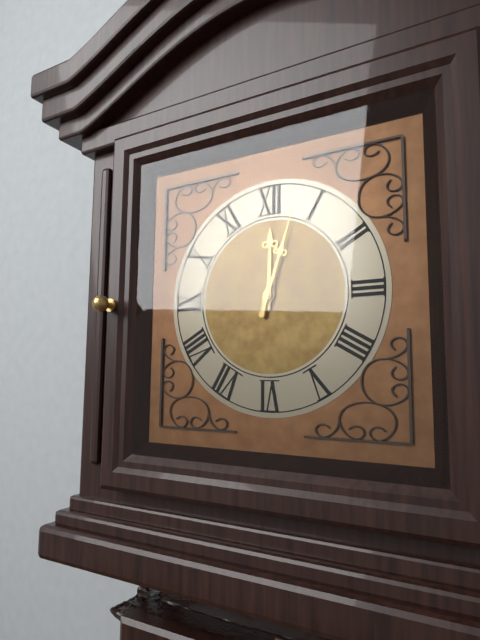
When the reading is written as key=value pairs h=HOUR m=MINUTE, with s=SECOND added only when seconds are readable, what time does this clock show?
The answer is h=12 m=3
